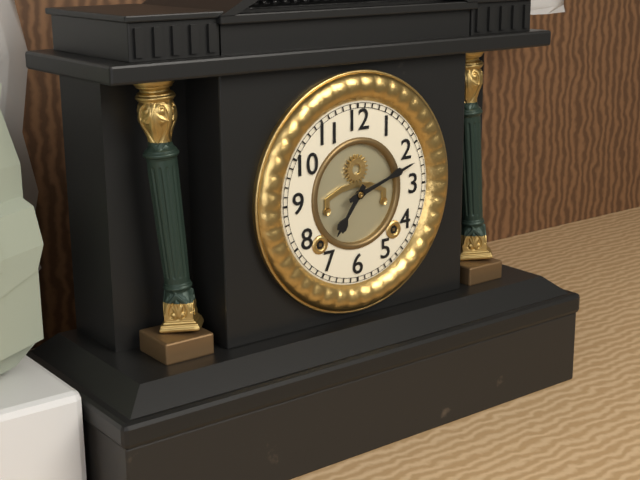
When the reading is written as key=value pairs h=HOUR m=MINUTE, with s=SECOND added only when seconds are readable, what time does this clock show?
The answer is h=7 m=12
